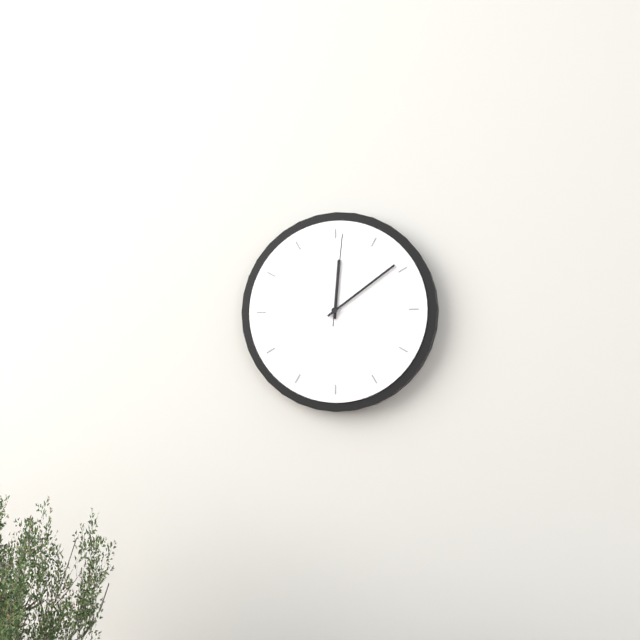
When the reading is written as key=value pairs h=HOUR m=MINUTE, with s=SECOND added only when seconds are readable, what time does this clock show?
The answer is h=12 m=9 s=1
